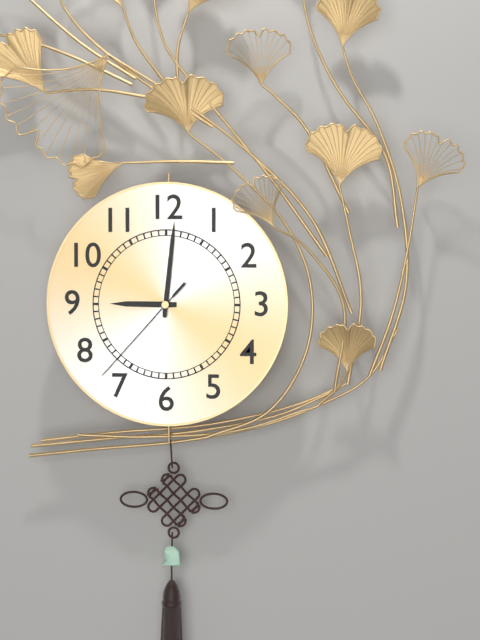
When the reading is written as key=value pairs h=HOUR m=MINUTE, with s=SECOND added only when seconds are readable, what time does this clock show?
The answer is h=9 m=1 s=37
